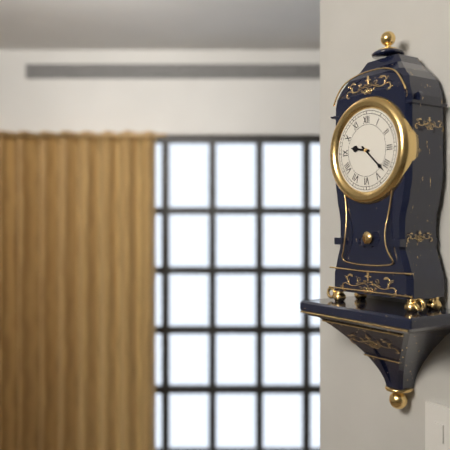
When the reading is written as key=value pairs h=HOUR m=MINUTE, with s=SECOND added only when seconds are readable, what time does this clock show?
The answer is h=9 m=22
